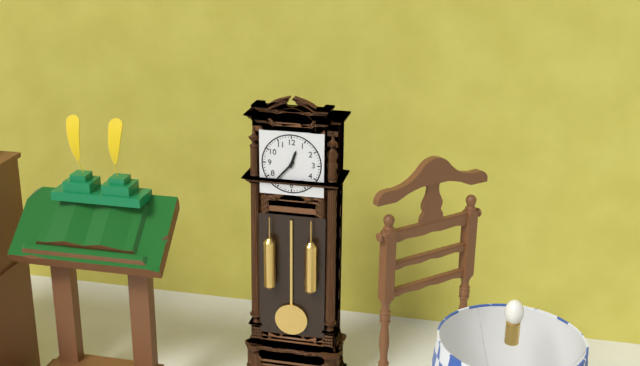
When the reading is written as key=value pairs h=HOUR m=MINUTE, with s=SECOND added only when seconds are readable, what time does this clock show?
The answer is h=12 m=37
